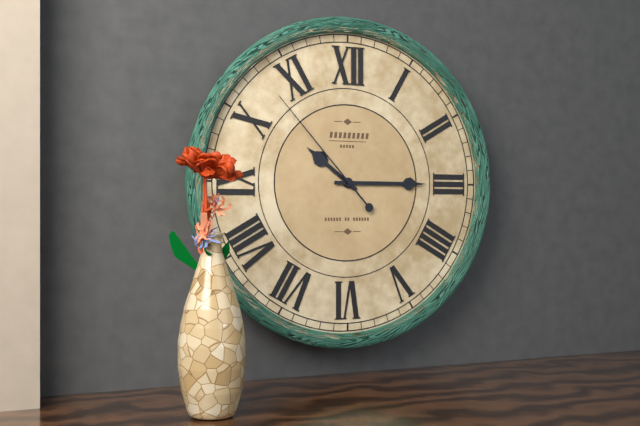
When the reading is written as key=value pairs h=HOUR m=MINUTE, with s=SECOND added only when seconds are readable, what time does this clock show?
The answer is h=10 m=15 s=53
